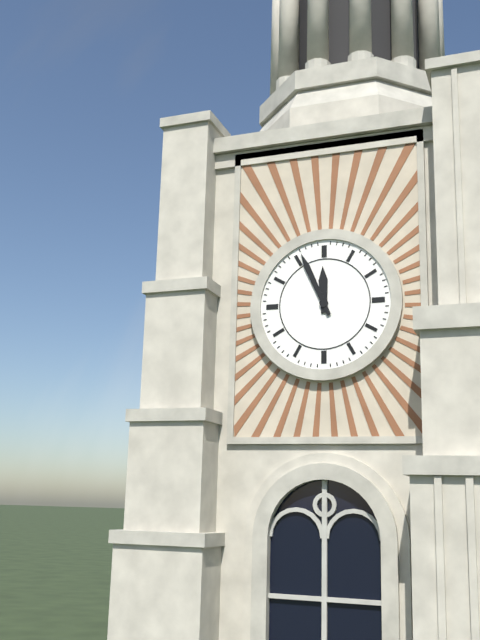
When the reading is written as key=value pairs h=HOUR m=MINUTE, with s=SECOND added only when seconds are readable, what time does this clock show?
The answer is h=11 m=56
